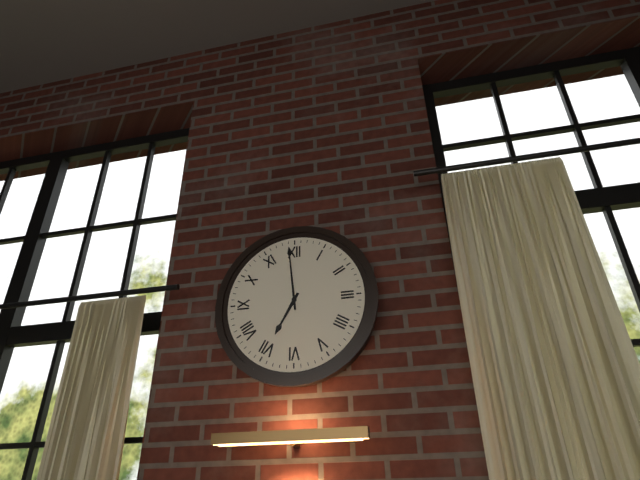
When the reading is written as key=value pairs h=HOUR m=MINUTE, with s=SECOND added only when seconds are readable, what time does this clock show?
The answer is h=6 m=59
